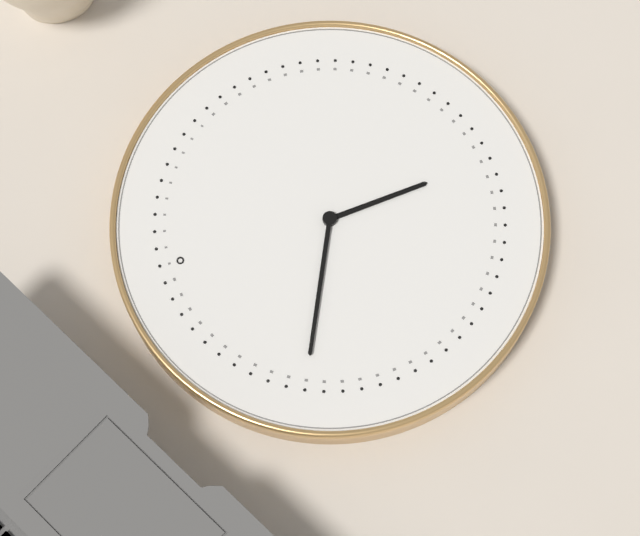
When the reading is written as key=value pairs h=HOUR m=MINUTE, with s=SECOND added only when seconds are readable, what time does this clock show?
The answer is h=5 m=49
